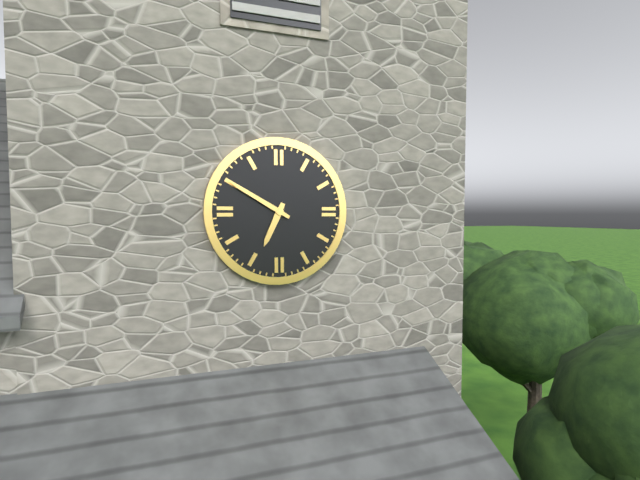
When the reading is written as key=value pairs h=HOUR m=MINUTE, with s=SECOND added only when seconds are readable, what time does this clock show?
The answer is h=6 m=50
